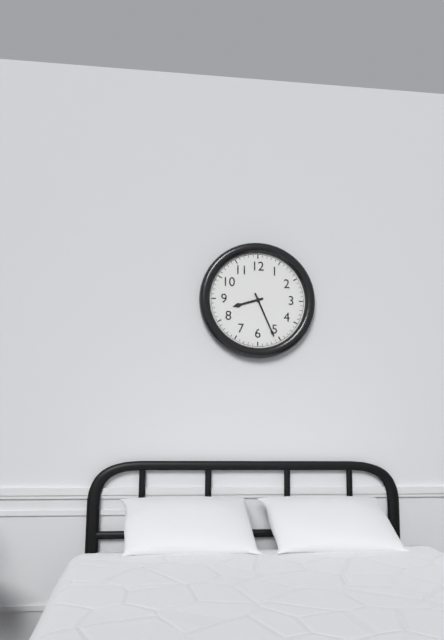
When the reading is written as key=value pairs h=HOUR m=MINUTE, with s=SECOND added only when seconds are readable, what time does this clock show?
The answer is h=8 m=26
